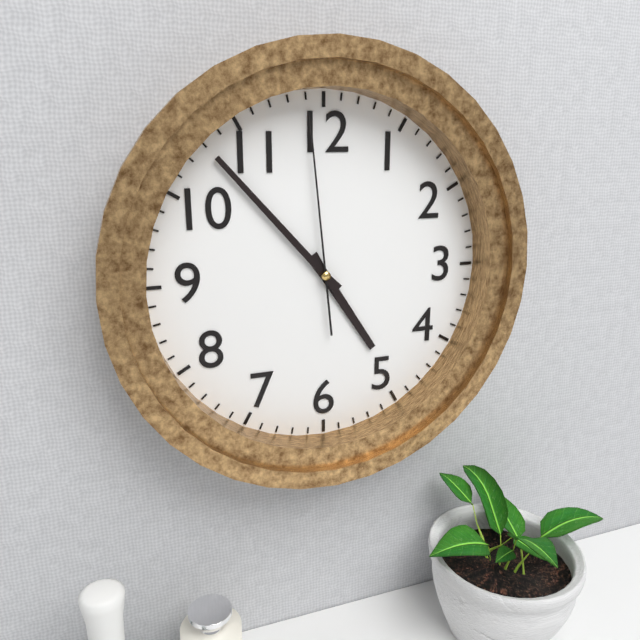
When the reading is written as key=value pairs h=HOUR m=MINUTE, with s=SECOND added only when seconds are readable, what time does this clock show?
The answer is h=4 m=53 s=59
